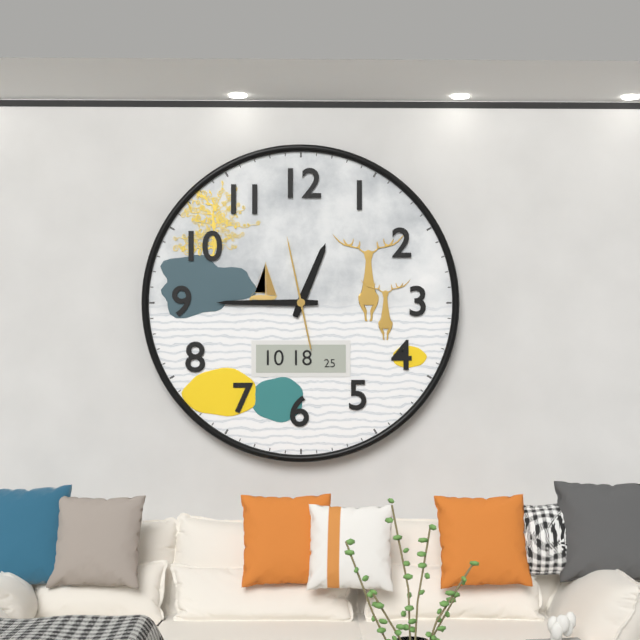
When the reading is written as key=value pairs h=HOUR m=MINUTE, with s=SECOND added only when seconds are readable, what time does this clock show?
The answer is h=12 m=45 s=58
